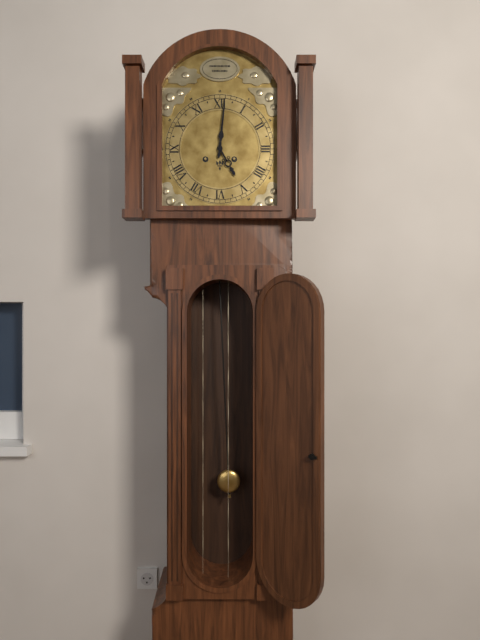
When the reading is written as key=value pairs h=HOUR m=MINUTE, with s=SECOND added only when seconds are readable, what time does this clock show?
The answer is h=5 m=1
